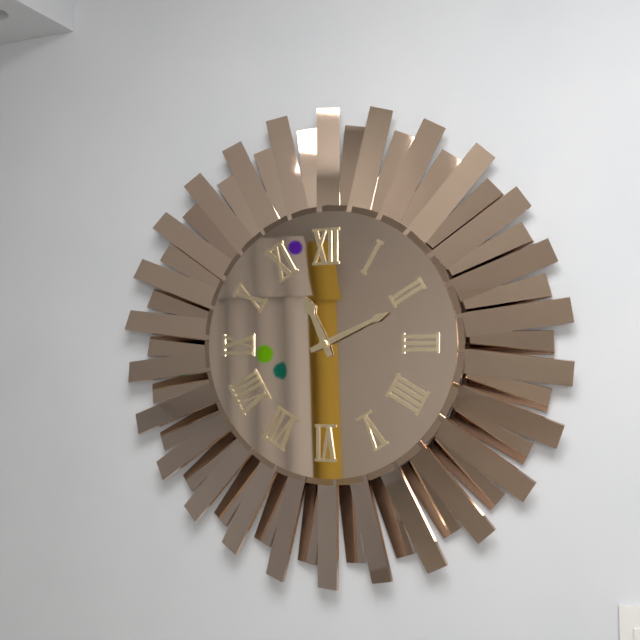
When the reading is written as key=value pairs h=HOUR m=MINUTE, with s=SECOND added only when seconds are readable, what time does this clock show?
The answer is h=11 m=11
